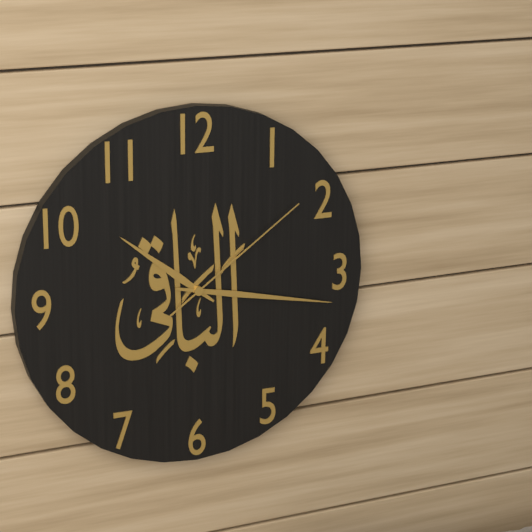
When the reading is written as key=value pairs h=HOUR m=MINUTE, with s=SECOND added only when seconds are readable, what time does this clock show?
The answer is h=10 m=17 s=9
